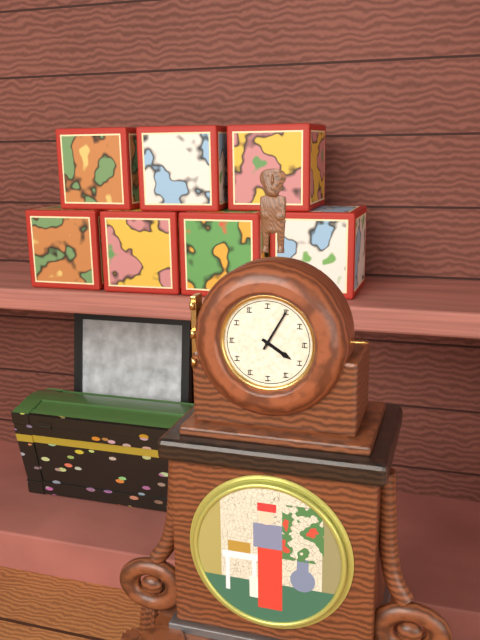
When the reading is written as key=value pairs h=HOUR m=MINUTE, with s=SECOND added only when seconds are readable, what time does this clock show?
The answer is h=4 m=5
